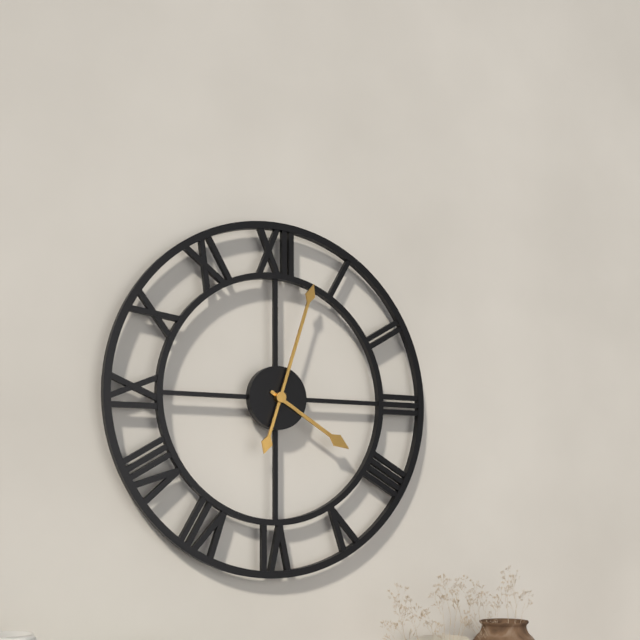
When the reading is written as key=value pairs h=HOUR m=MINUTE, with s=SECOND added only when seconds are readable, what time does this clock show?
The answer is h=4 m=3
